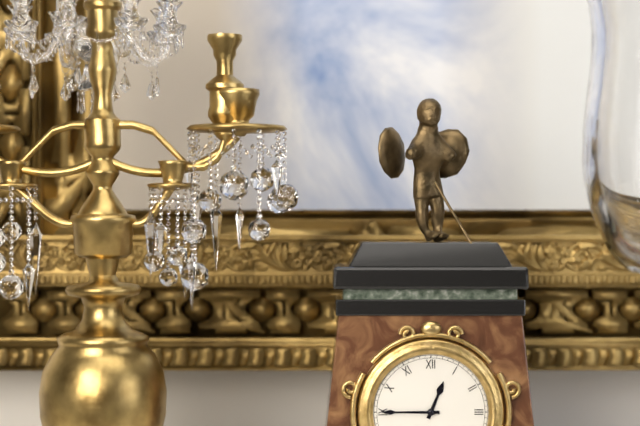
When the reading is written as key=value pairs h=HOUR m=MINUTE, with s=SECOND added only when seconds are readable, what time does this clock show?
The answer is h=12 m=45
